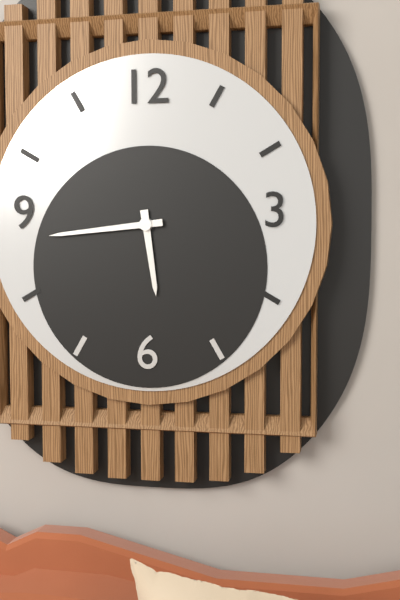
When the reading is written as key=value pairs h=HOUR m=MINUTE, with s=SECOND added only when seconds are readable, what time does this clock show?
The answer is h=5 m=44
